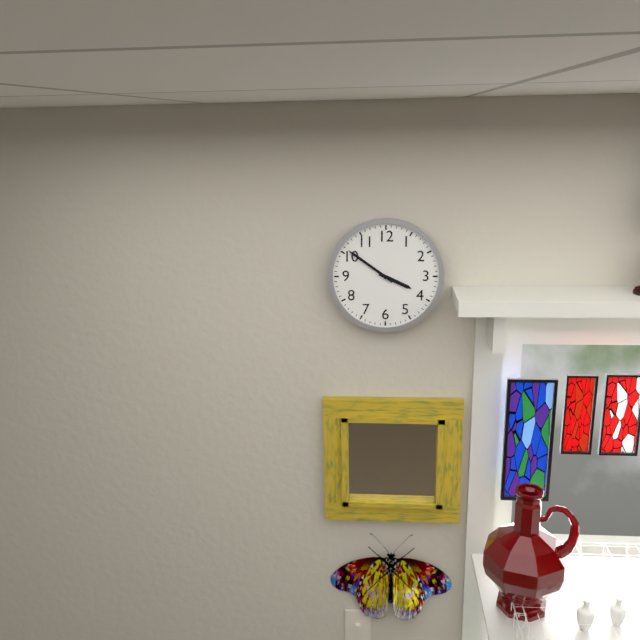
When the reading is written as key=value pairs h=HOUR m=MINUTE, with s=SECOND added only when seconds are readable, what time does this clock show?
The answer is h=3 m=51
